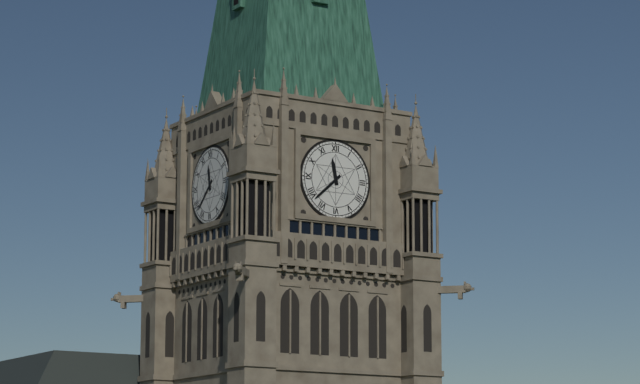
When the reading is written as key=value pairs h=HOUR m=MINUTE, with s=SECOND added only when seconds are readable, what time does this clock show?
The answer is h=11 m=38
